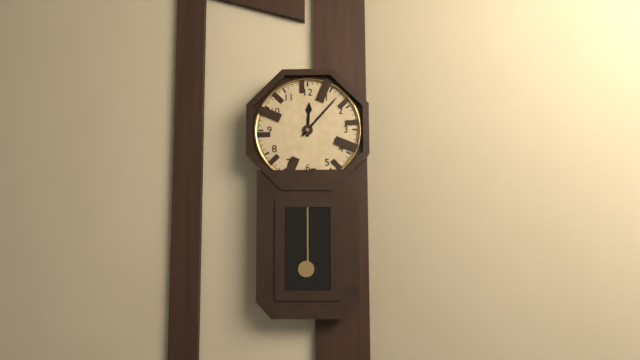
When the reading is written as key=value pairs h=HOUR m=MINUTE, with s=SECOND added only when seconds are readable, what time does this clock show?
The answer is h=12 m=7
